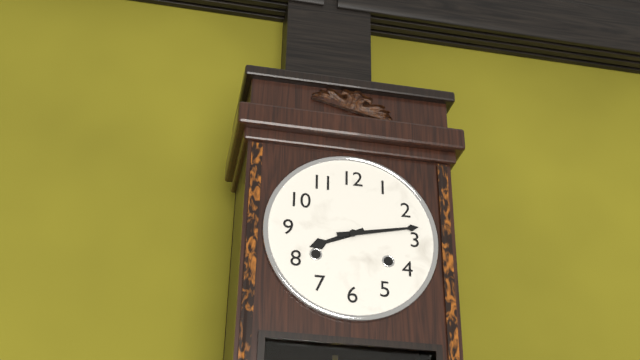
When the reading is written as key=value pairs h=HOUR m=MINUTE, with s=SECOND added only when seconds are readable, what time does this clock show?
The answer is h=8 m=13
